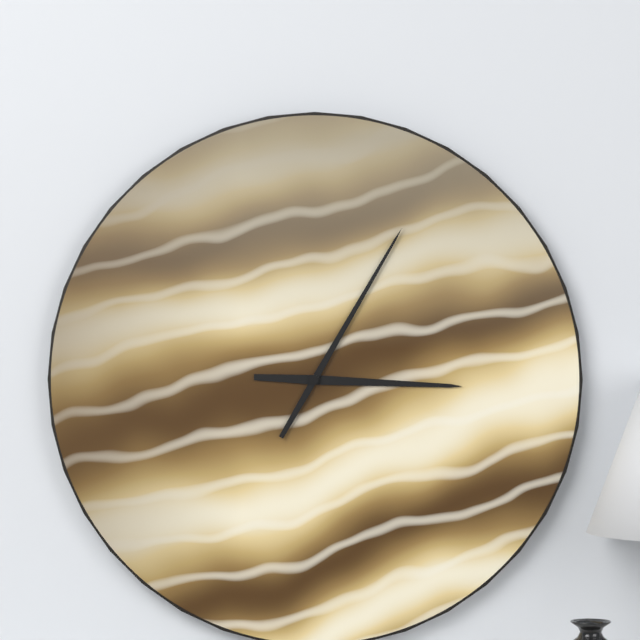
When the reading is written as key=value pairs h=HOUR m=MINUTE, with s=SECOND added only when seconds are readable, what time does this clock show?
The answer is h=3 m=5
